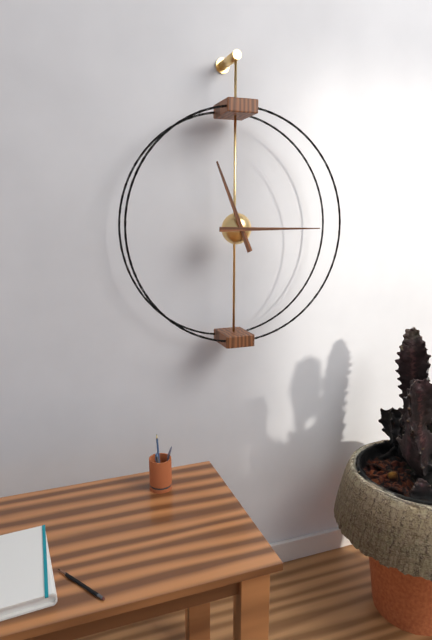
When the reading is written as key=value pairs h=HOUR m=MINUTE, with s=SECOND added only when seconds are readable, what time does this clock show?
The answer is h=11 m=15
